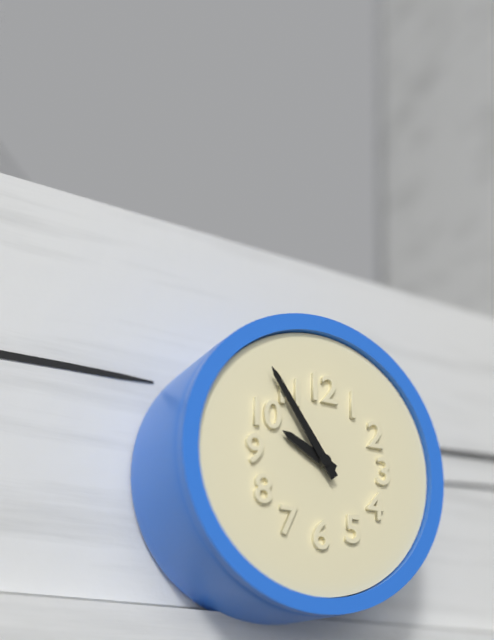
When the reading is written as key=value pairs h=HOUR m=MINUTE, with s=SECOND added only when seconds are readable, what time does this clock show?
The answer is h=9 m=54
